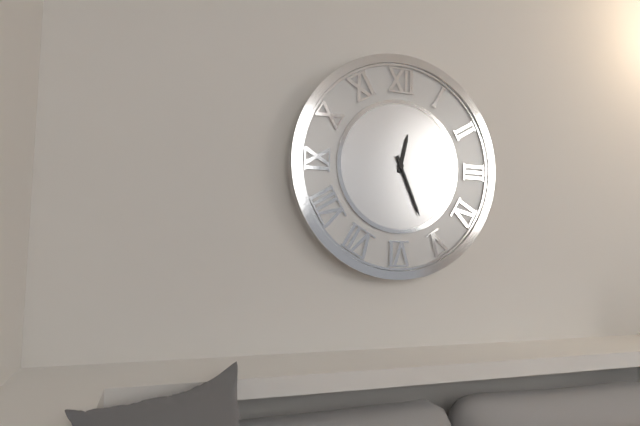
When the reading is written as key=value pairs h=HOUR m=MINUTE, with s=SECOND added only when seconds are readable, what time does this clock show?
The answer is h=12 m=26
